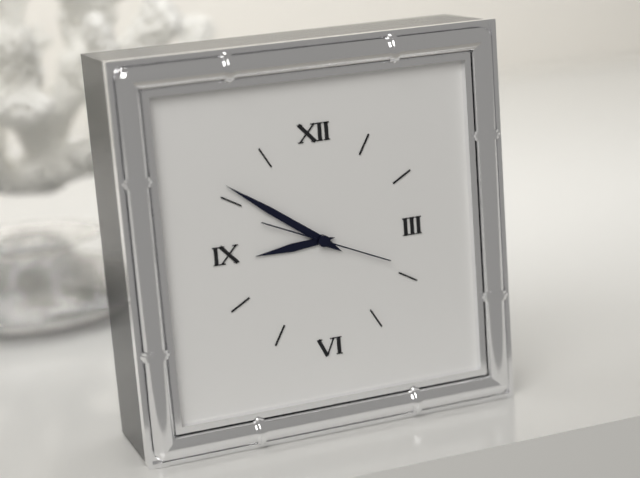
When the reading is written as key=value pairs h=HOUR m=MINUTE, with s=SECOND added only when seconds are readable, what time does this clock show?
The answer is h=8 m=51 s=19
